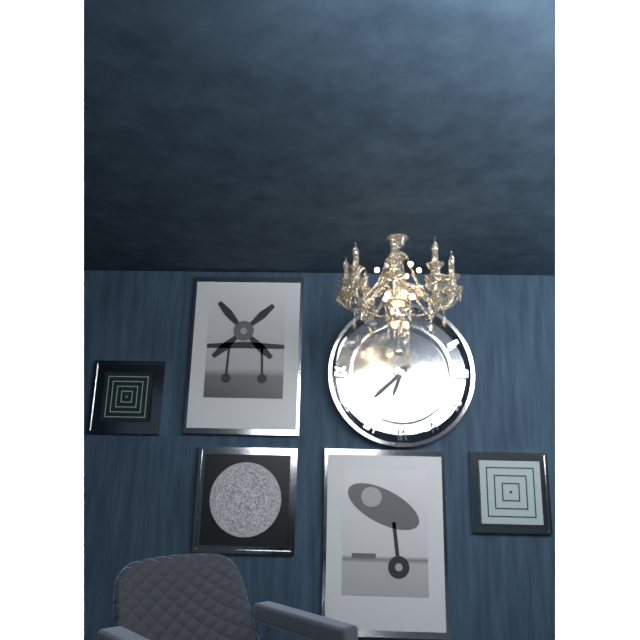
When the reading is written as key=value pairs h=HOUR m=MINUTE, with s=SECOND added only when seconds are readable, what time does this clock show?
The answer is h=6 m=38
